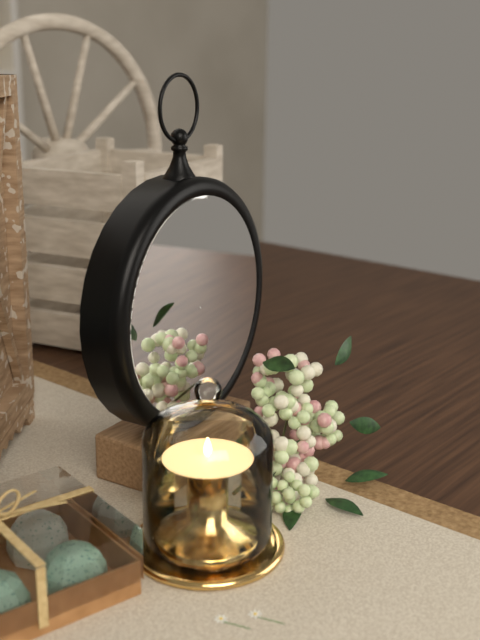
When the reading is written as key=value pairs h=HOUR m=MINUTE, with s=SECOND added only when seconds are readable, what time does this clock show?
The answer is h=8 m=38
